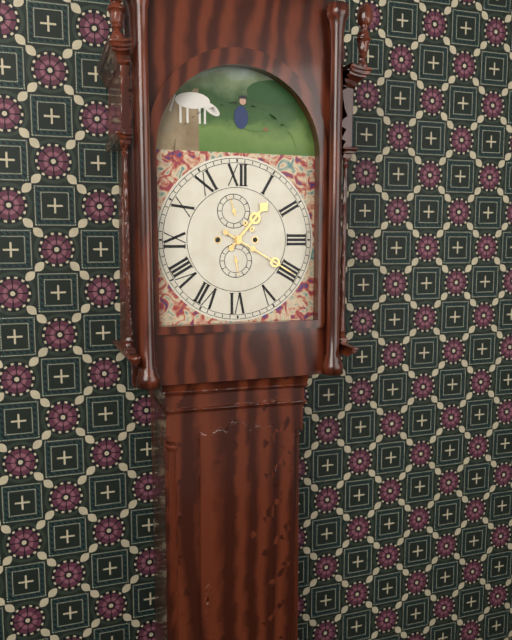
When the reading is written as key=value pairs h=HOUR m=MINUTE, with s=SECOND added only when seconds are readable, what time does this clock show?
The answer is h=1 m=20
